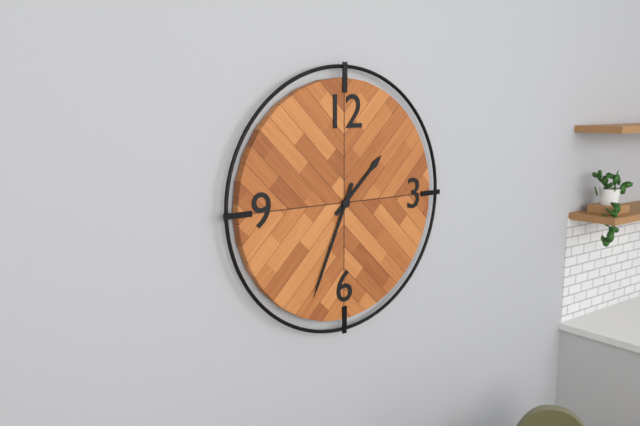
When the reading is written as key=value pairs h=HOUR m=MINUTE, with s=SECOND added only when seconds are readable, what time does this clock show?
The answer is h=1 m=34
